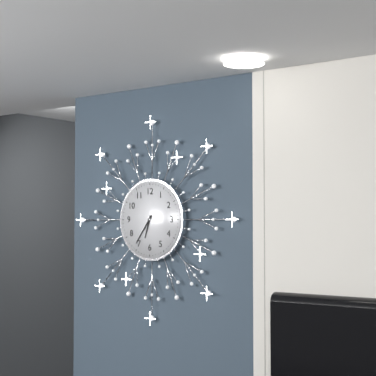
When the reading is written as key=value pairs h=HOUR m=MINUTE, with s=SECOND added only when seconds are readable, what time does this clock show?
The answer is h=6 m=36
